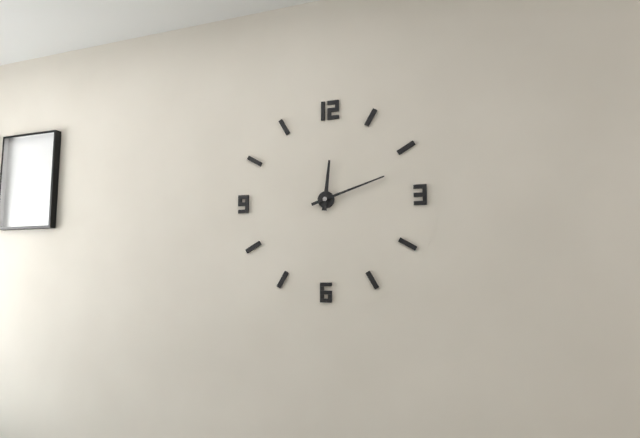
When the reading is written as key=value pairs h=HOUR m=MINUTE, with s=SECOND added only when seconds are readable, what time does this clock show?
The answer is h=12 m=12
